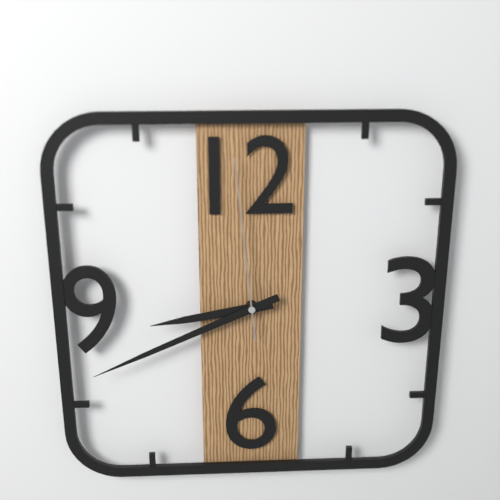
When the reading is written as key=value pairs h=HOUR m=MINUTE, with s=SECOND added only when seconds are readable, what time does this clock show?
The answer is h=8 m=41 s=59
